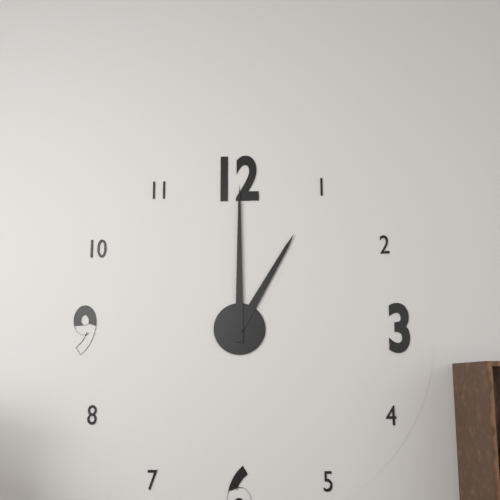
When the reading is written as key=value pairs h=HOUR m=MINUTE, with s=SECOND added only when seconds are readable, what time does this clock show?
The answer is h=1 m=0
